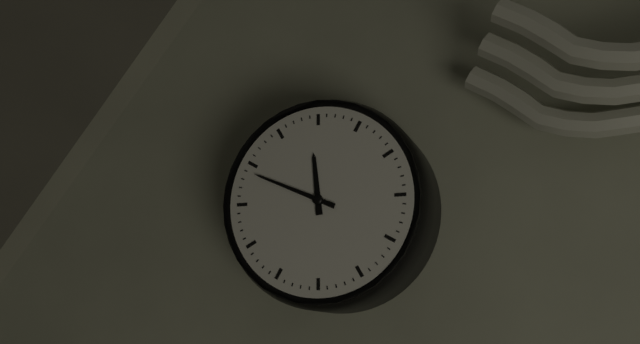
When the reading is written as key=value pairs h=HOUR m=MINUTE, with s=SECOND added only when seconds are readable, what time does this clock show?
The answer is h=11 m=49
